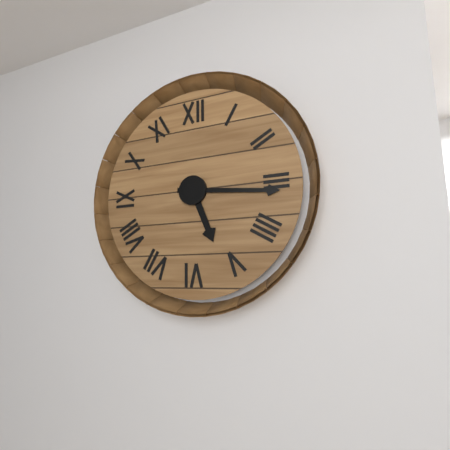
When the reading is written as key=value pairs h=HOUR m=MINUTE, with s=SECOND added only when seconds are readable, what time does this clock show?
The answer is h=5 m=16
